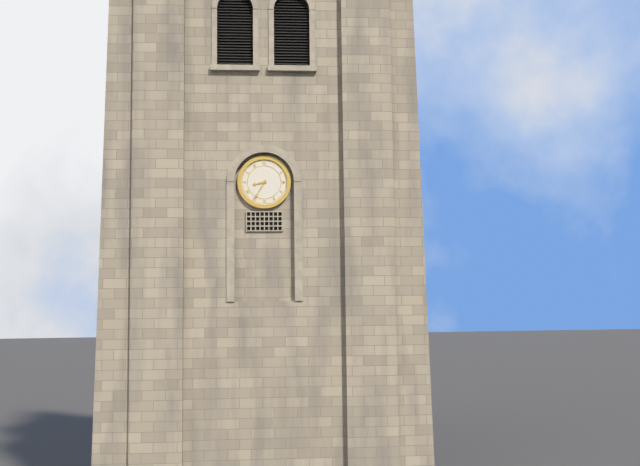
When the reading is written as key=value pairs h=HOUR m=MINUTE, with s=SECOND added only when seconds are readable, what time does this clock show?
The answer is h=8 m=35
